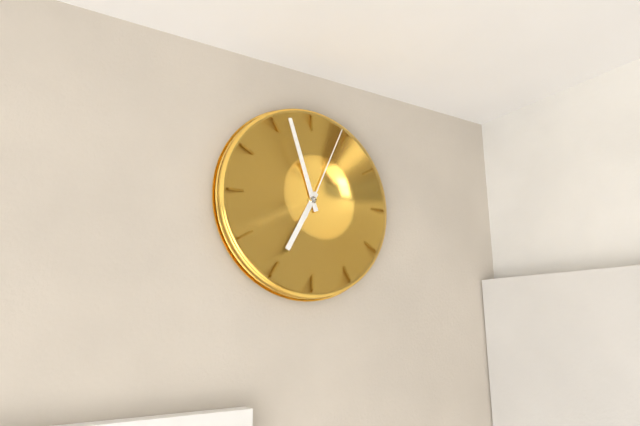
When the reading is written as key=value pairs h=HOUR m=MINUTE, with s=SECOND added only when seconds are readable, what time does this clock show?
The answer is h=6 m=57 s=4
